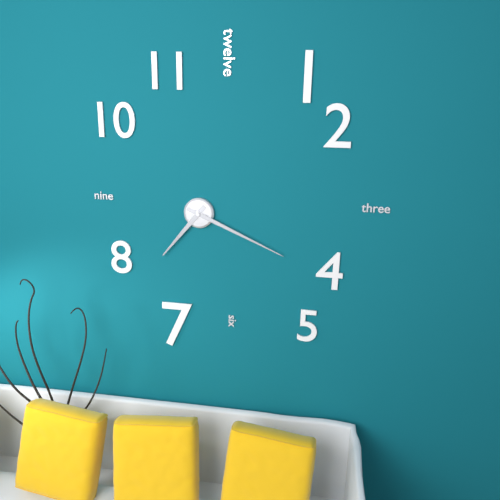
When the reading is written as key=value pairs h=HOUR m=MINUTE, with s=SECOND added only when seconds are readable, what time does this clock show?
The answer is h=7 m=19
